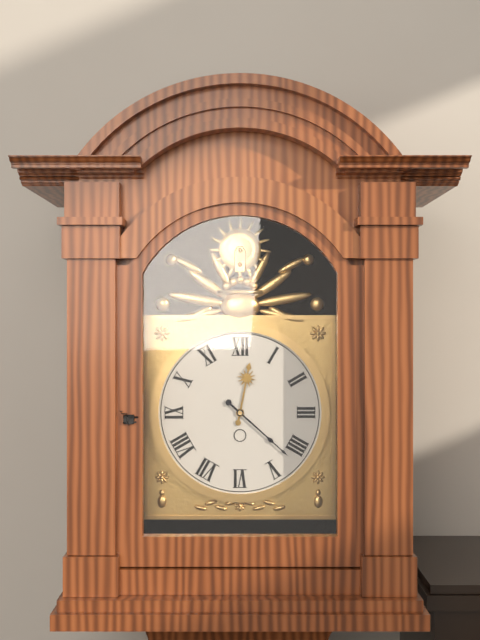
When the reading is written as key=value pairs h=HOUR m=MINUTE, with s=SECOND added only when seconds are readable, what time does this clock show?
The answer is h=12 m=22
